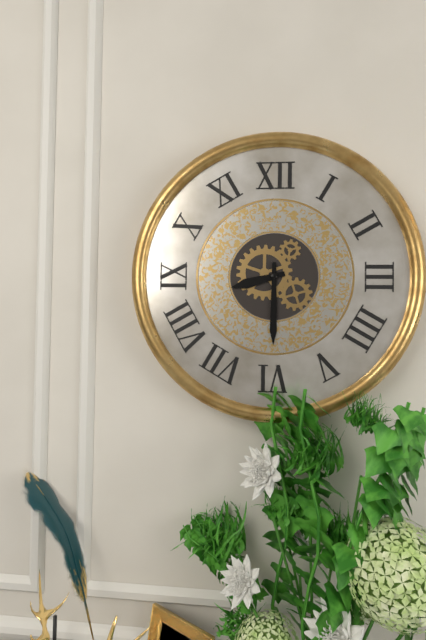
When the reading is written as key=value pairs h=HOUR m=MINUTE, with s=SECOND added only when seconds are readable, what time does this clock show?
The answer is h=8 m=30
